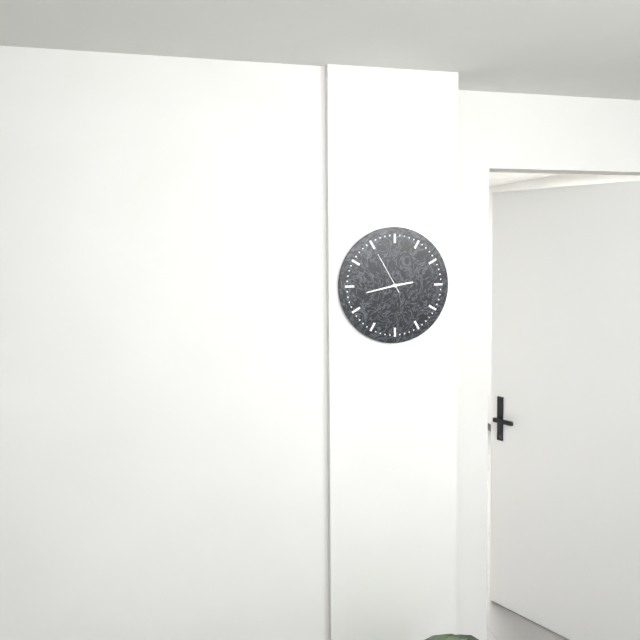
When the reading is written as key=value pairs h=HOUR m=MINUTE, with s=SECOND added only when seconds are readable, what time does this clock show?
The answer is h=2 m=43
